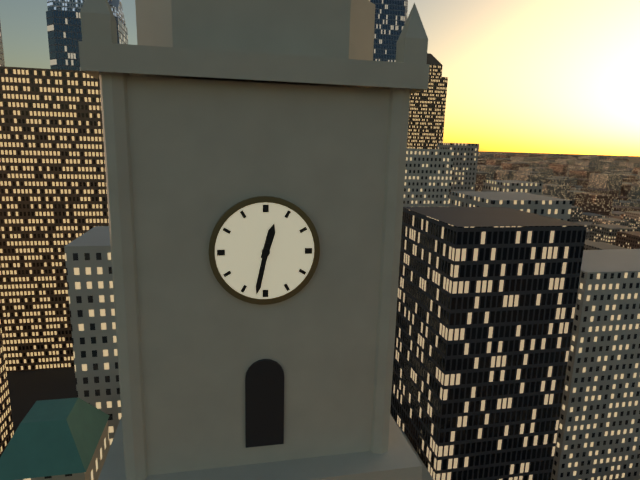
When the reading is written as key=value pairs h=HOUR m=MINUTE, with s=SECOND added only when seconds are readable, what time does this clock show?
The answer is h=12 m=32
